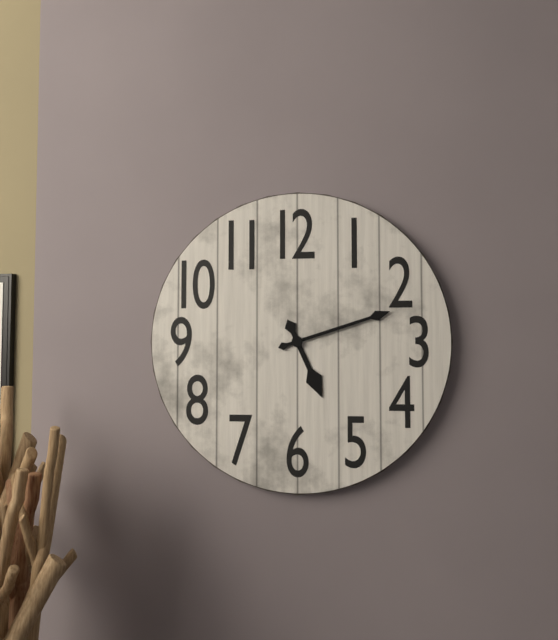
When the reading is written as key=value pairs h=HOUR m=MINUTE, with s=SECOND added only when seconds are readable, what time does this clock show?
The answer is h=5 m=12
